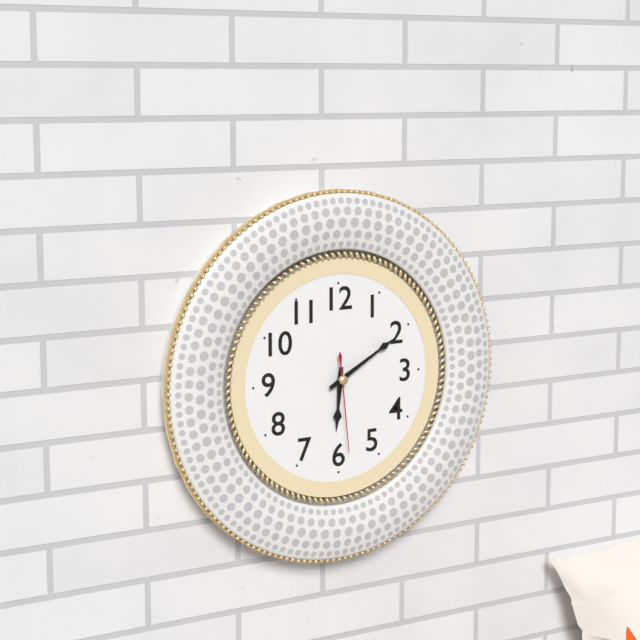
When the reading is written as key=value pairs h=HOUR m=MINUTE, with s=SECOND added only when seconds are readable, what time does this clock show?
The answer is h=6 m=10 s=29
